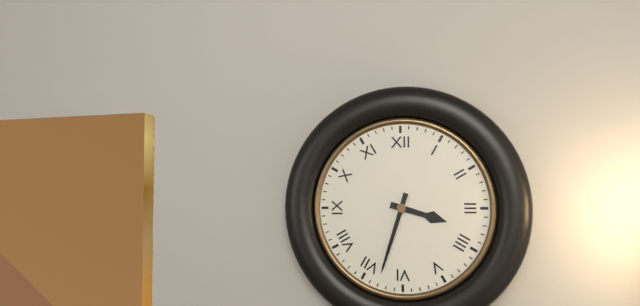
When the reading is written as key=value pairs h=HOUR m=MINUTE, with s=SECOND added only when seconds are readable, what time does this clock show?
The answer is h=3 m=33
